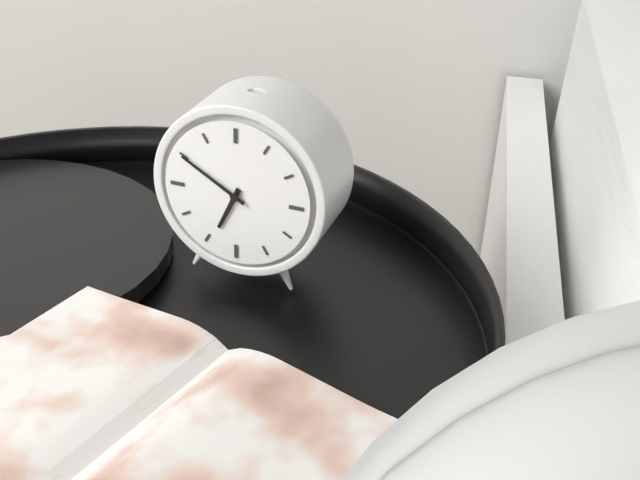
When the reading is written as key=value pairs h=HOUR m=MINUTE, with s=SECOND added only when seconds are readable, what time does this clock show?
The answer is h=6 m=50
